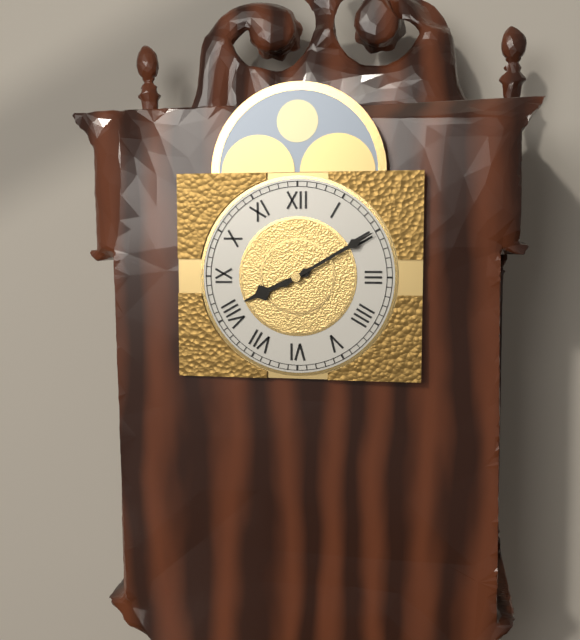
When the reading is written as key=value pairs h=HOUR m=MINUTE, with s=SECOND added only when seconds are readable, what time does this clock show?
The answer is h=8 m=10
